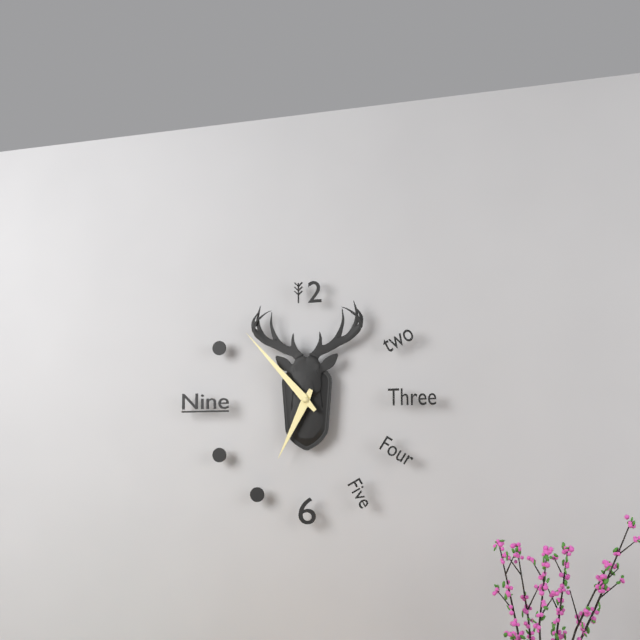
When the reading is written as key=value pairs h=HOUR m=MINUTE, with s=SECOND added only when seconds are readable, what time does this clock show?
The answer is h=6 m=53
